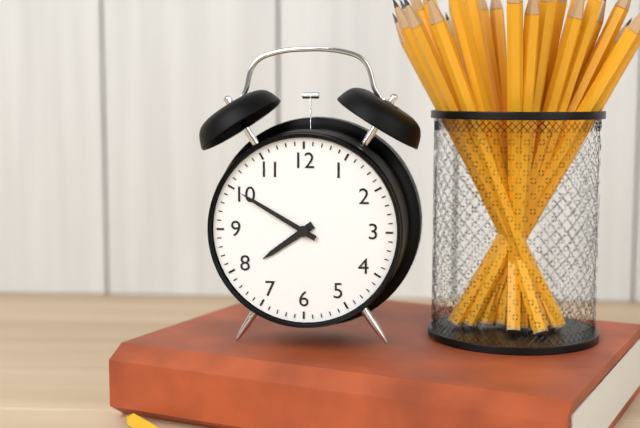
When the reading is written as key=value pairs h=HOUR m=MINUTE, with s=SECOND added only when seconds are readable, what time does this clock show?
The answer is h=7 m=50
